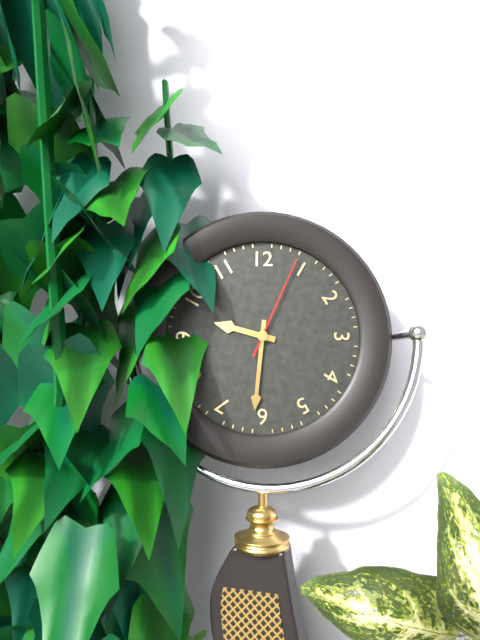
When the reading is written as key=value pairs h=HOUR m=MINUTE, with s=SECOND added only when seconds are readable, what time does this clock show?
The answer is h=9 m=31 s=4
